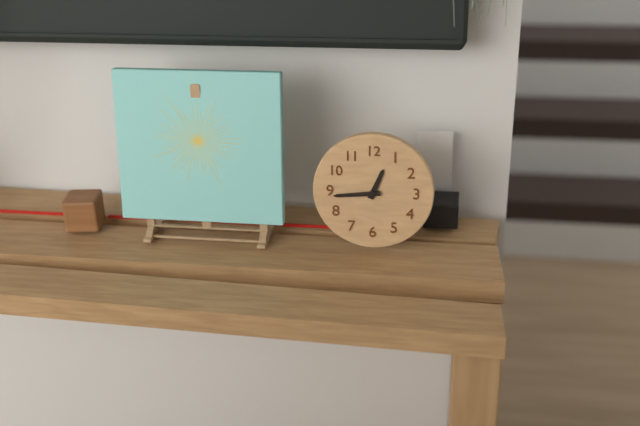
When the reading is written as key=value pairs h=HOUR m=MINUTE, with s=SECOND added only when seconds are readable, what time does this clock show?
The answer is h=12 m=44
